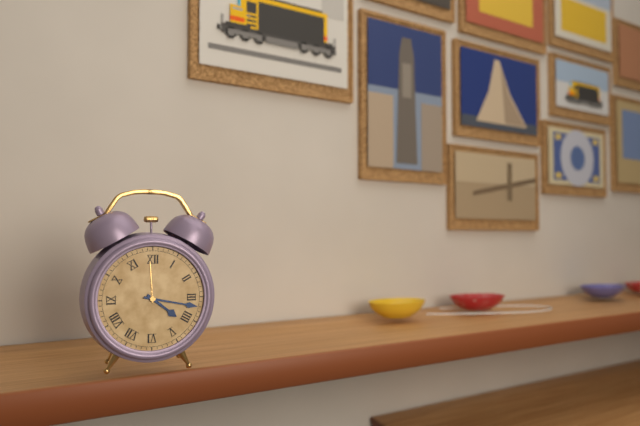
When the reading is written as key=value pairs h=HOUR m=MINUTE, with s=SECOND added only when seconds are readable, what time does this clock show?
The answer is h=4 m=17
